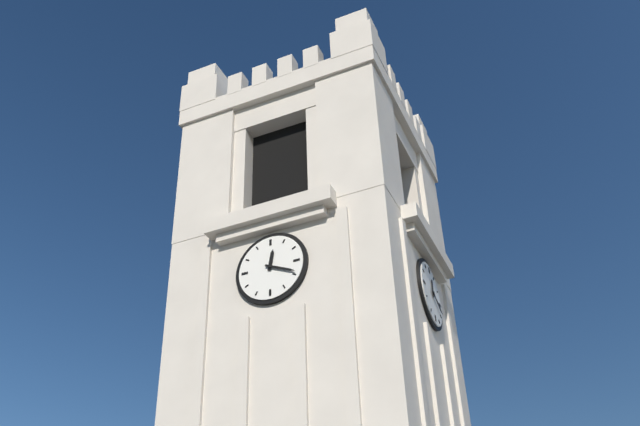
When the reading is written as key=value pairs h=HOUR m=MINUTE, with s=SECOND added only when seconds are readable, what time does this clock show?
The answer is h=12 m=19
